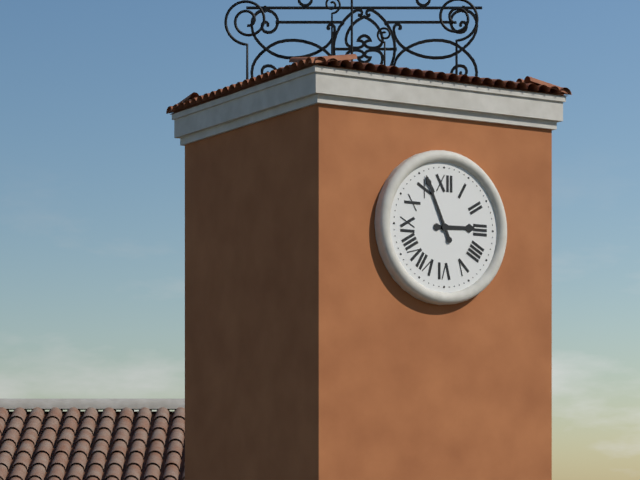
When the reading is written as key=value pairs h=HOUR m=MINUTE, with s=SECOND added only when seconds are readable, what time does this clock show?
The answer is h=2 m=56
